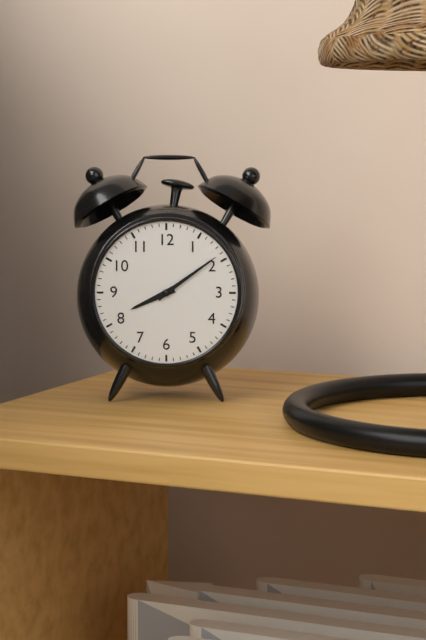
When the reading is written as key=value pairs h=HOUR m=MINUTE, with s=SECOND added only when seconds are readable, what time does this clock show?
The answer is h=8 m=9
